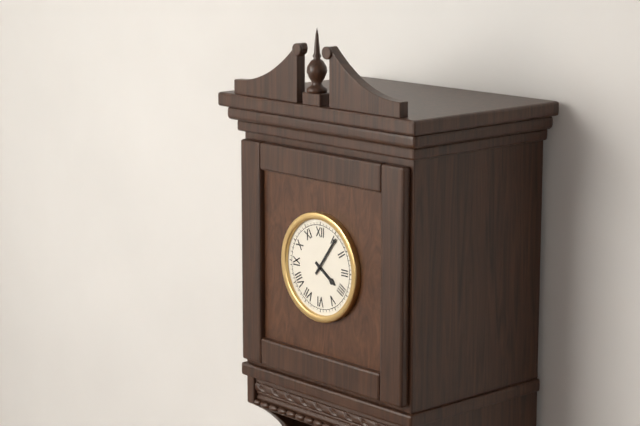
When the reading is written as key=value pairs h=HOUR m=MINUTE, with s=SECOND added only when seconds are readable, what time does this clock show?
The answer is h=4 m=6
